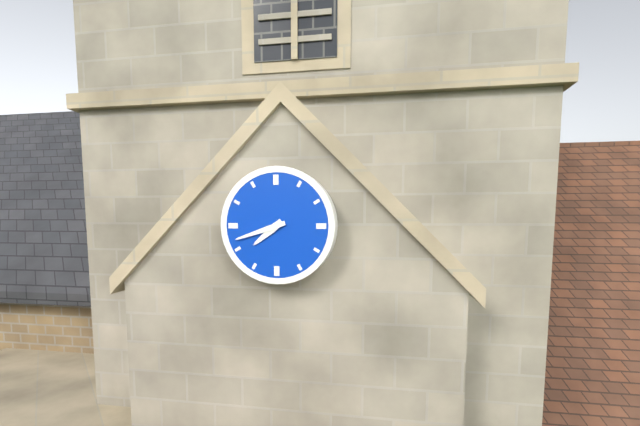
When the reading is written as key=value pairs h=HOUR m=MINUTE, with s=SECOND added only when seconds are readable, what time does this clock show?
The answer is h=7 m=42
